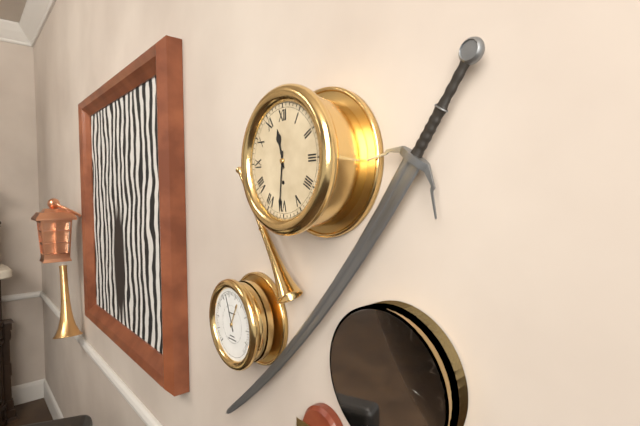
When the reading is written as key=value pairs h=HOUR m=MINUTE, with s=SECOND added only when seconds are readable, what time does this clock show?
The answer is h=11 m=31
